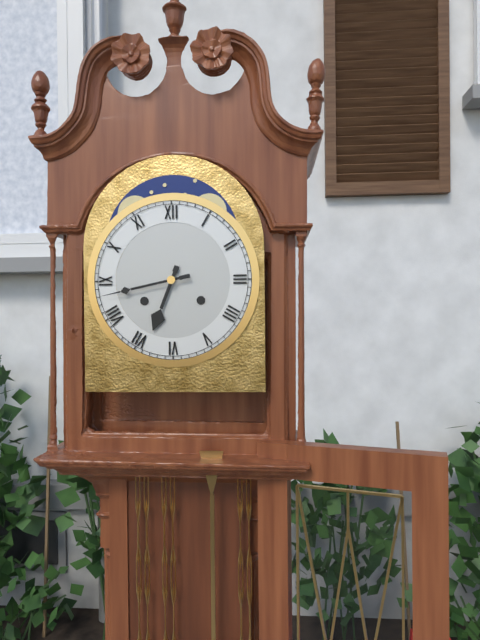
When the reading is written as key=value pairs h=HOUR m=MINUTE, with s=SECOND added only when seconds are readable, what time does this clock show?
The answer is h=6 m=43
